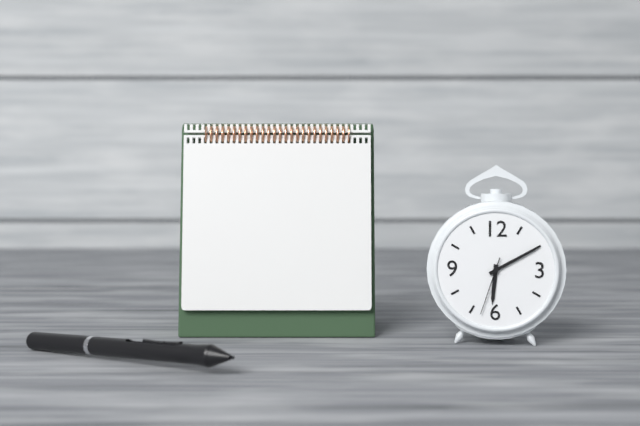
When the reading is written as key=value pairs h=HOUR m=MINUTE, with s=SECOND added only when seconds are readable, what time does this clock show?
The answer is h=6 m=10 s=33
